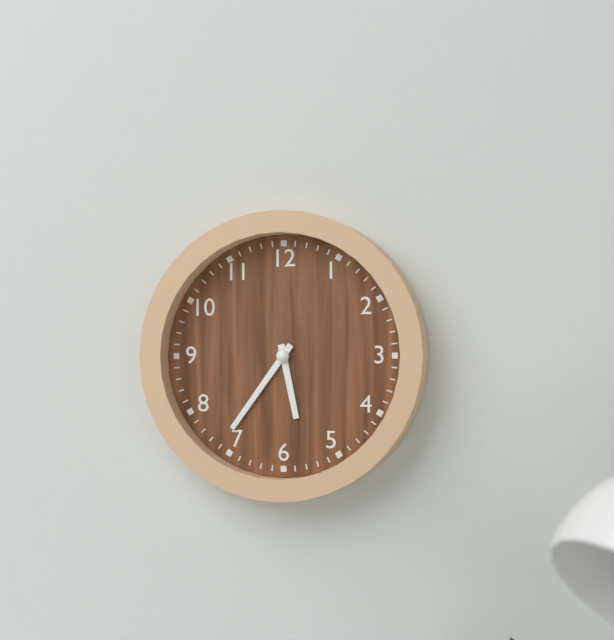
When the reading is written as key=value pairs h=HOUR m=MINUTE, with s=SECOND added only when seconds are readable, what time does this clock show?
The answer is h=5 m=36
